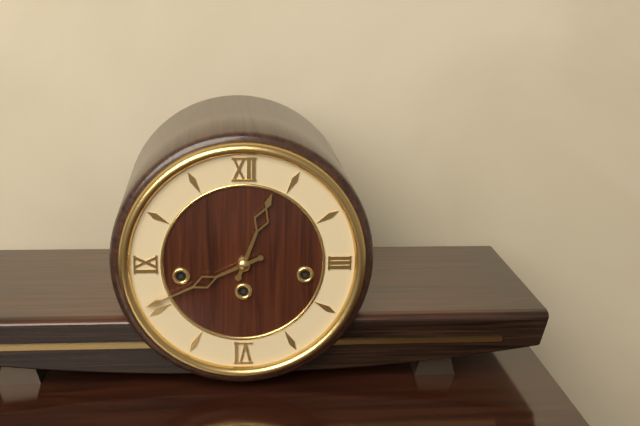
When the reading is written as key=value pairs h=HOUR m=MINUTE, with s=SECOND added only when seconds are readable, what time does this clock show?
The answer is h=12 m=41
